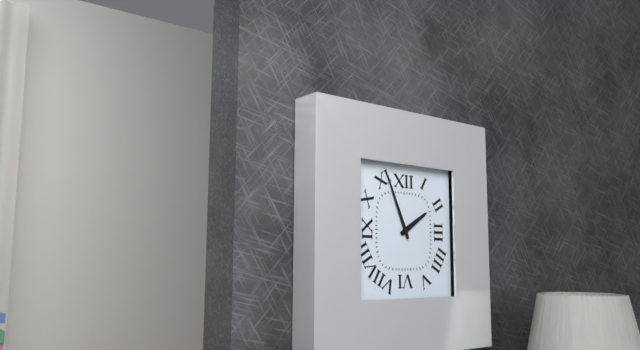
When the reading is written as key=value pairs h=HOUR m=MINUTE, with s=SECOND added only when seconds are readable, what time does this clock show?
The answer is h=1 m=56
